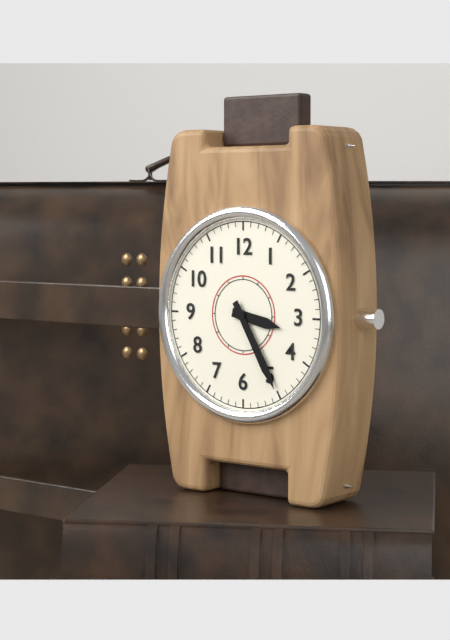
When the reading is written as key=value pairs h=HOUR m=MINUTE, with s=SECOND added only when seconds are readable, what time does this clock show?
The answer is h=3 m=25
